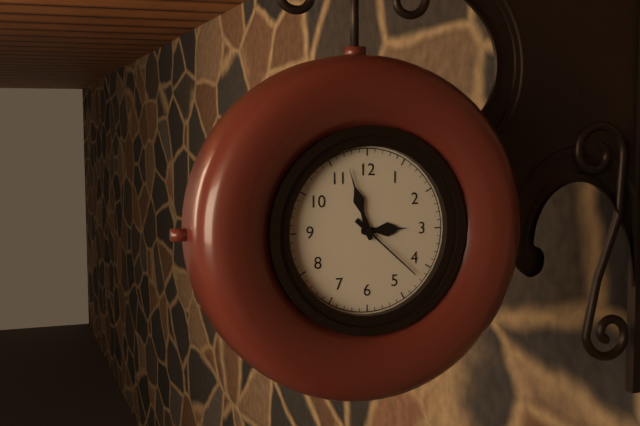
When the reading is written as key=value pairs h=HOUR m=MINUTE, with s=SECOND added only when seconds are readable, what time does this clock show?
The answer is h=2 m=57 s=22
